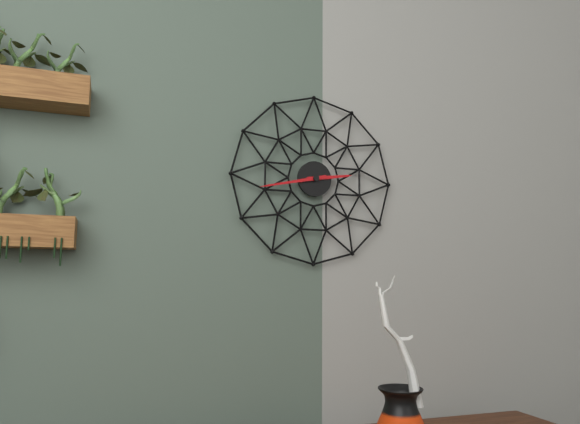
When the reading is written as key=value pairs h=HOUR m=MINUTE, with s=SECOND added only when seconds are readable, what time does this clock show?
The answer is h=2 m=43
